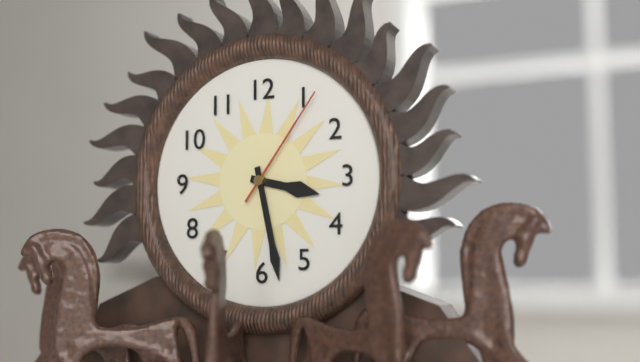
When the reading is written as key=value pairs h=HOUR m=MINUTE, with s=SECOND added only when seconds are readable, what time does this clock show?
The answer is h=3 m=28 s=6
